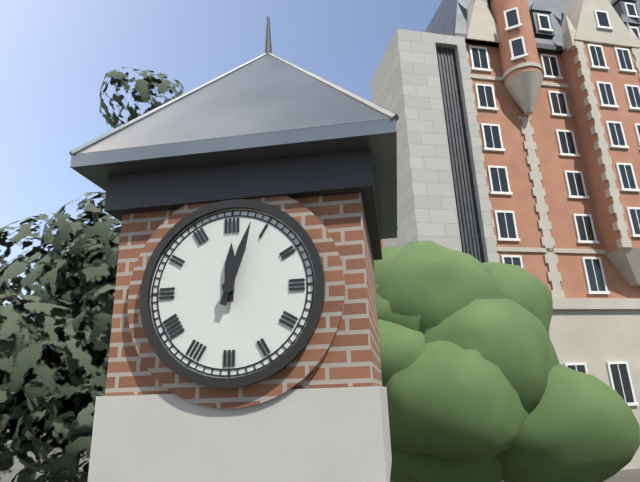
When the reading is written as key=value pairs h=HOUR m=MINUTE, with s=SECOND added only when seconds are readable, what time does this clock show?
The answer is h=12 m=3
